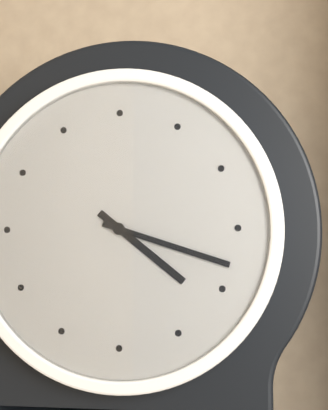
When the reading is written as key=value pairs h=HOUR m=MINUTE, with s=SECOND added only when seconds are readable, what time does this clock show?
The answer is h=4 m=18
